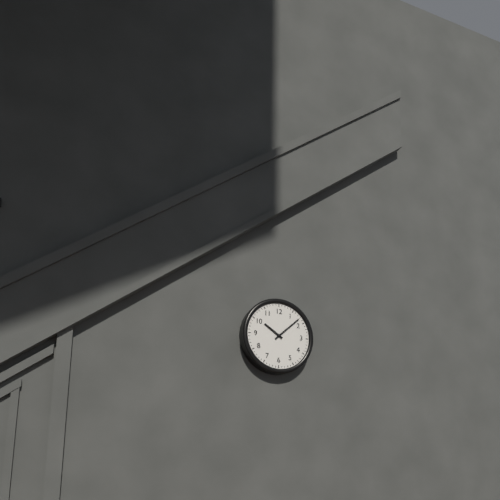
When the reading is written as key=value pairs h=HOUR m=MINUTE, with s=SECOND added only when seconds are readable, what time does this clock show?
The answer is h=10 m=8
